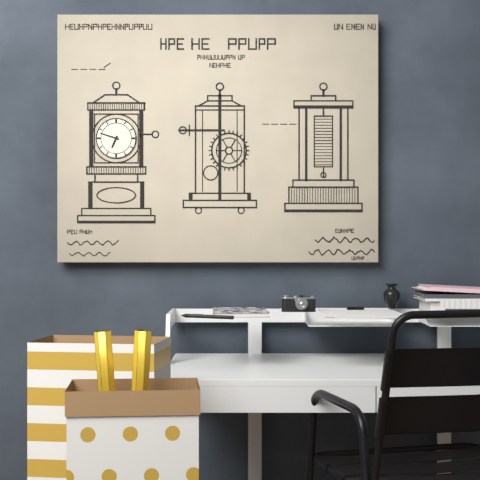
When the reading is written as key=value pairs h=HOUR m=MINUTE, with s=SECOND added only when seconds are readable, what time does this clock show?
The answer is h=6 m=48
